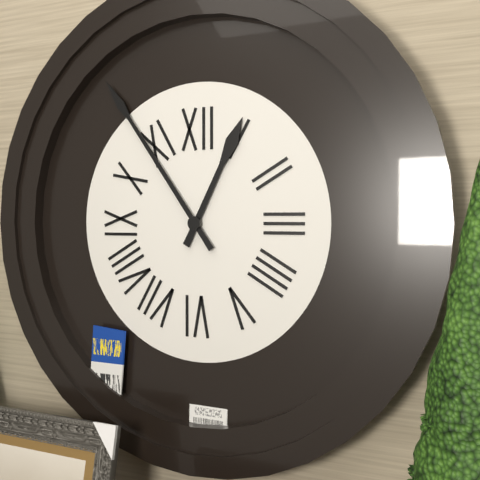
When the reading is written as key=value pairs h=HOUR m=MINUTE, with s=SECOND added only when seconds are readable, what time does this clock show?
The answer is h=12 m=54
